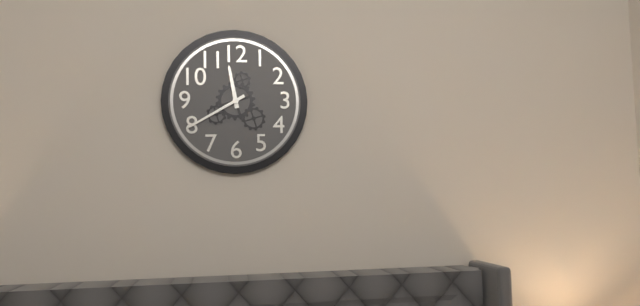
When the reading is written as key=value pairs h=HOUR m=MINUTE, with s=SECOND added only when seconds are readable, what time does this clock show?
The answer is h=11 m=40
